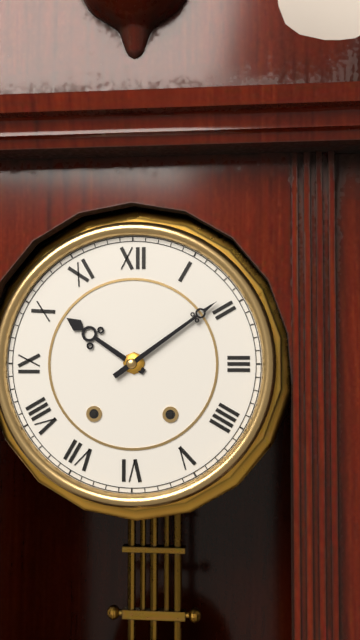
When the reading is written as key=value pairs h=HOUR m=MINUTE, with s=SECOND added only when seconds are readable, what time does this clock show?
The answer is h=10 m=9
